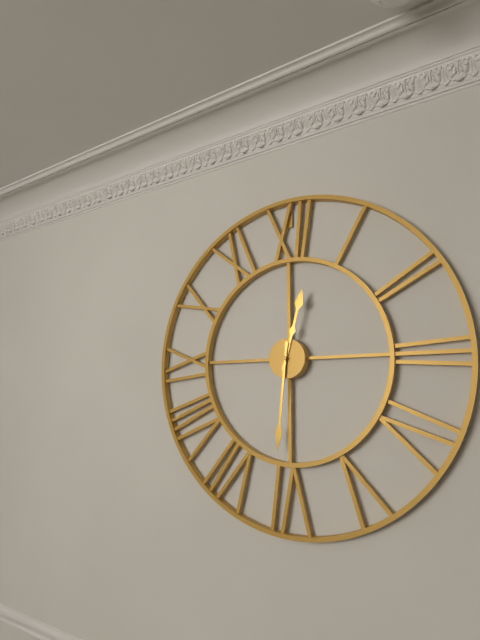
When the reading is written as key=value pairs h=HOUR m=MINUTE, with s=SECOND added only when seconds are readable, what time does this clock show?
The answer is h=12 m=31
